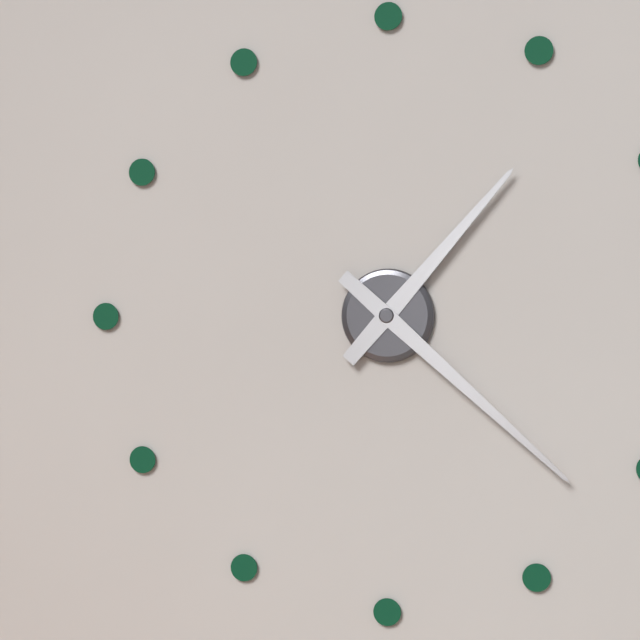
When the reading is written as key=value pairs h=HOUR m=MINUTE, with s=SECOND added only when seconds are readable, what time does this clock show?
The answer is h=1 m=22
